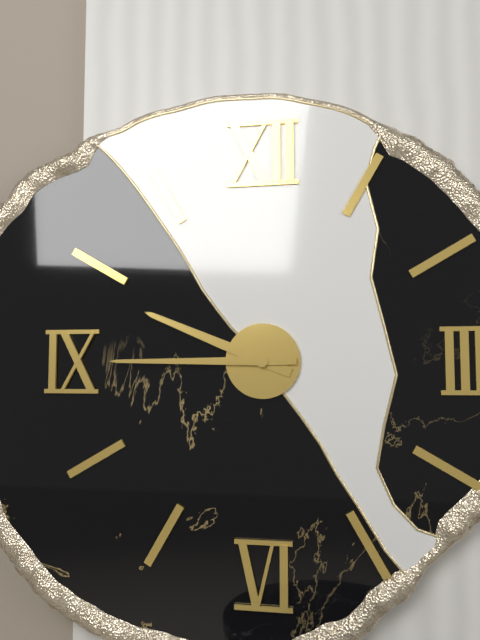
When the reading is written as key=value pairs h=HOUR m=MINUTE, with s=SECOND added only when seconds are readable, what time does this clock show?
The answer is h=9 m=45
